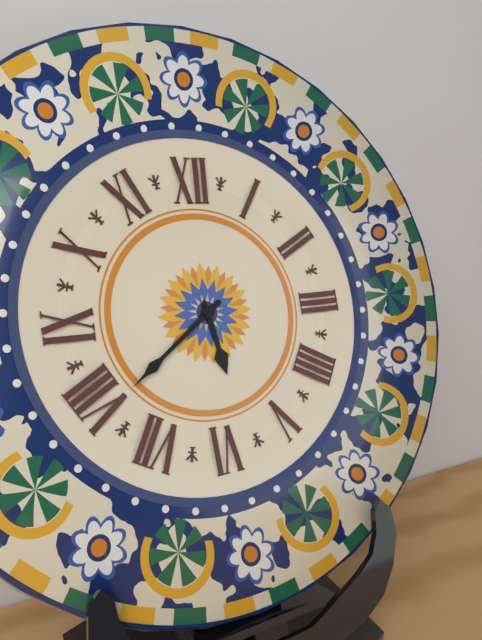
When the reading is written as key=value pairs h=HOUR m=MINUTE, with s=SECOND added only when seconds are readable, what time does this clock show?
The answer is h=5 m=39
